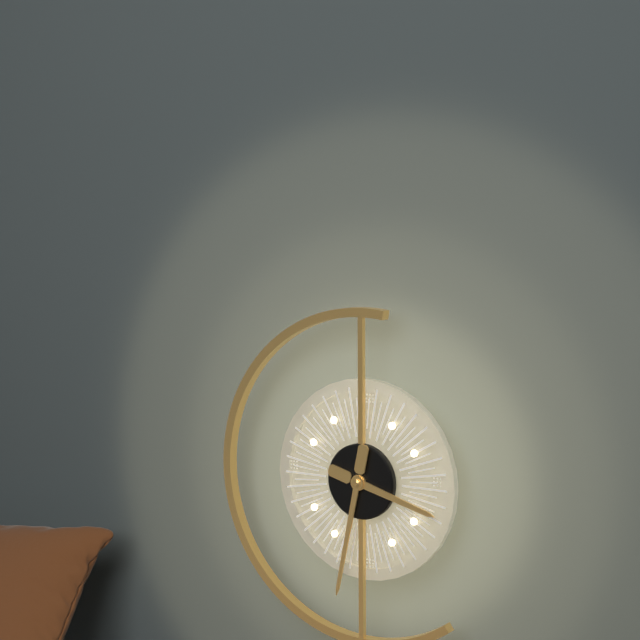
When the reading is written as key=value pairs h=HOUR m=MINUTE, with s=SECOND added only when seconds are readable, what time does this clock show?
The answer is h=3 m=32
